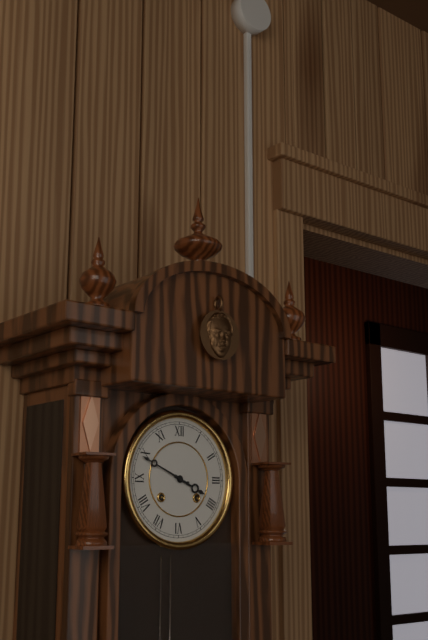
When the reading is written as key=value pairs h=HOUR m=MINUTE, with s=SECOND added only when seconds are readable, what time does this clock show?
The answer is h=3 m=49
